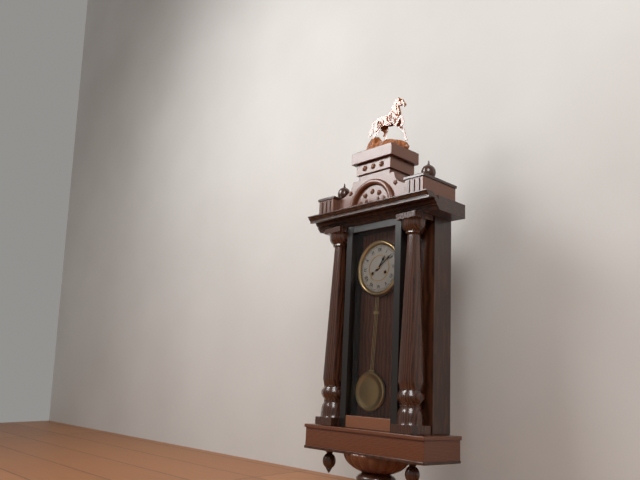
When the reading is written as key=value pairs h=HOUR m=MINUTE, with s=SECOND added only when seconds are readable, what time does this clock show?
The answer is h=1 m=9
